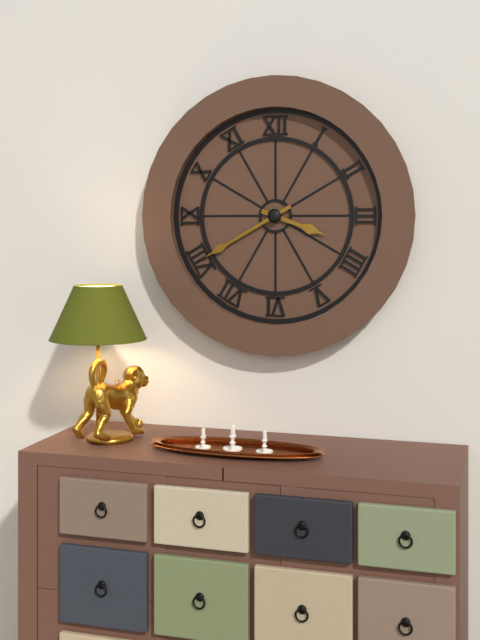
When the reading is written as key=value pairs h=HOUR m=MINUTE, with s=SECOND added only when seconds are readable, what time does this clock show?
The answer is h=3 m=40
